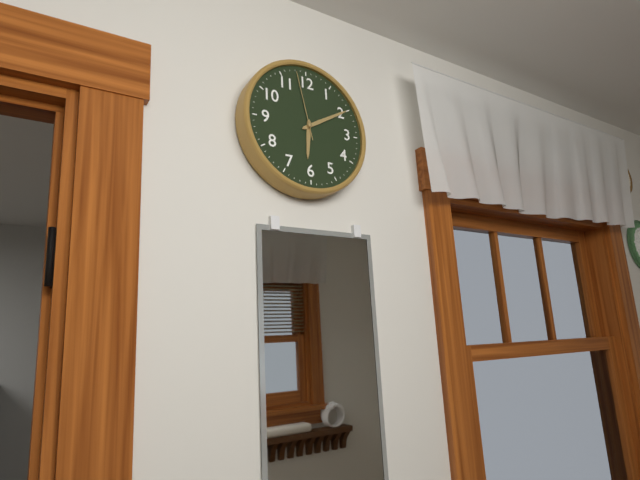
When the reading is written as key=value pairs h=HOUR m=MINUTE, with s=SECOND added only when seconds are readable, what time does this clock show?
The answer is h=6 m=10 s=58
